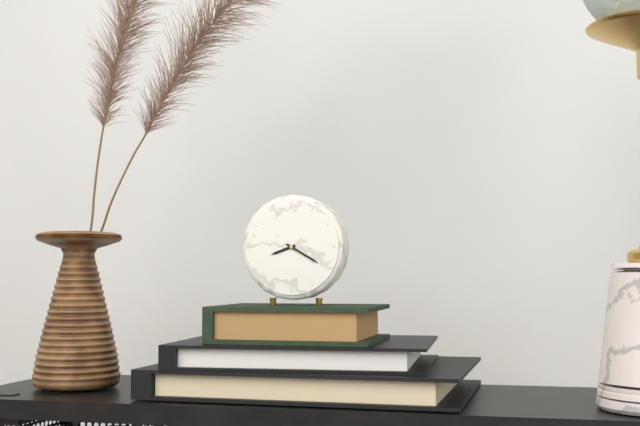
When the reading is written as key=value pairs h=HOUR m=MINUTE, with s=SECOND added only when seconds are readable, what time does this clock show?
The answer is h=8 m=20
